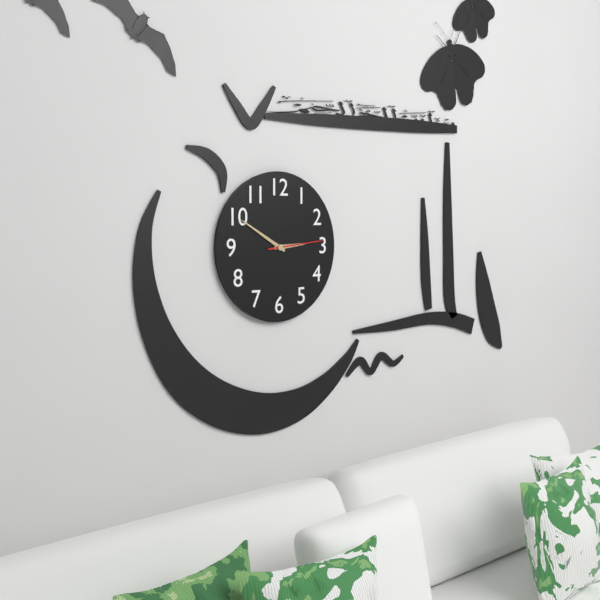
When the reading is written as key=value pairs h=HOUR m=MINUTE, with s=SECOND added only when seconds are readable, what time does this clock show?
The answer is h=2 m=50 s=14
